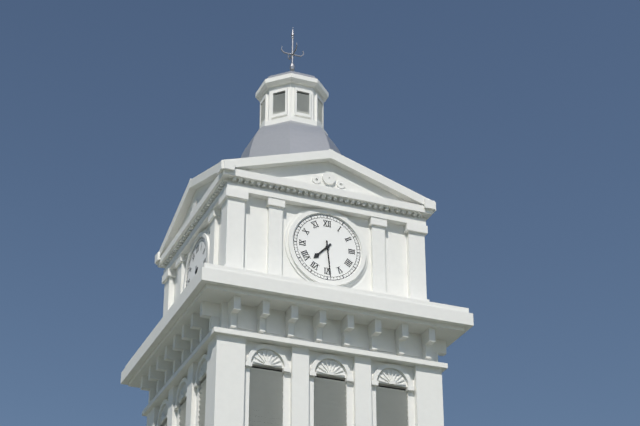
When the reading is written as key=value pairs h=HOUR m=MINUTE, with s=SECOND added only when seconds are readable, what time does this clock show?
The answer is h=7 m=29
